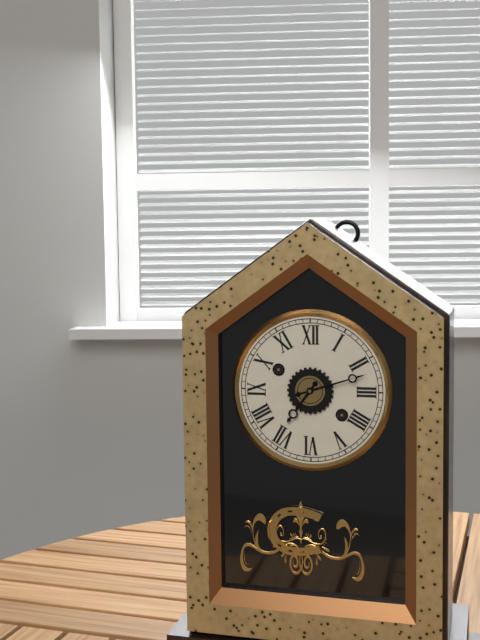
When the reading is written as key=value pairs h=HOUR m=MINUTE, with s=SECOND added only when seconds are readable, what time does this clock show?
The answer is h=7 m=12
